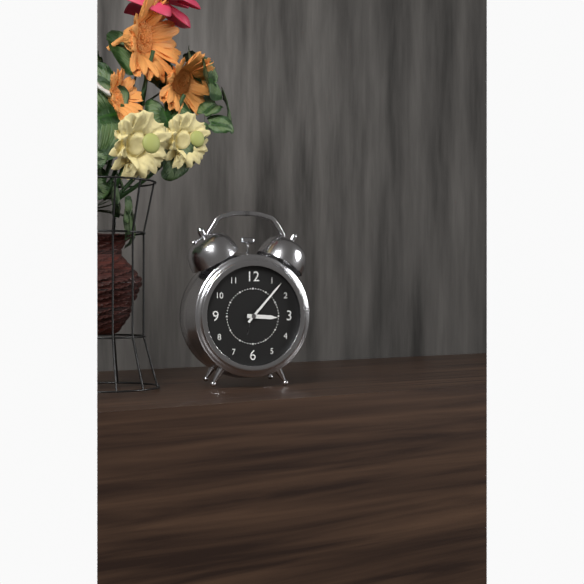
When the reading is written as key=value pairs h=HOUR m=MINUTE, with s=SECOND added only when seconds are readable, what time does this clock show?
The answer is h=3 m=7
